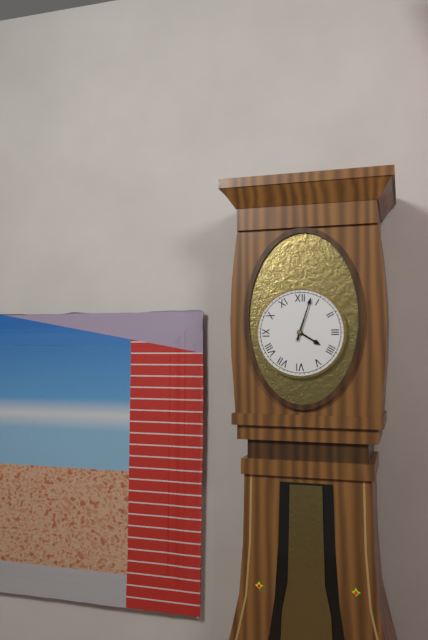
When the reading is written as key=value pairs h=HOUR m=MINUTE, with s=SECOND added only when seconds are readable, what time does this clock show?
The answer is h=4 m=3
